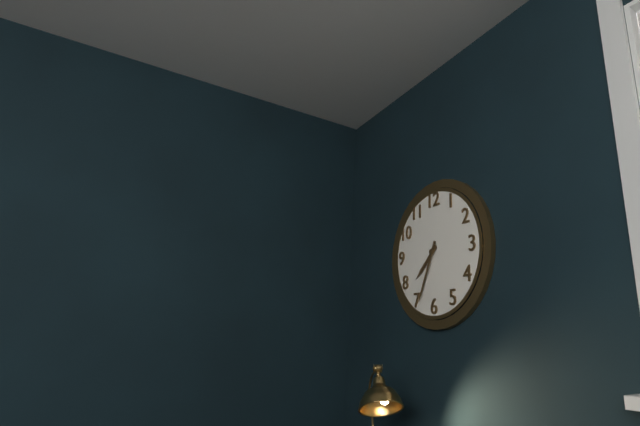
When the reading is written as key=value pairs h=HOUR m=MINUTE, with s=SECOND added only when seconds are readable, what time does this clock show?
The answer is h=7 m=34
